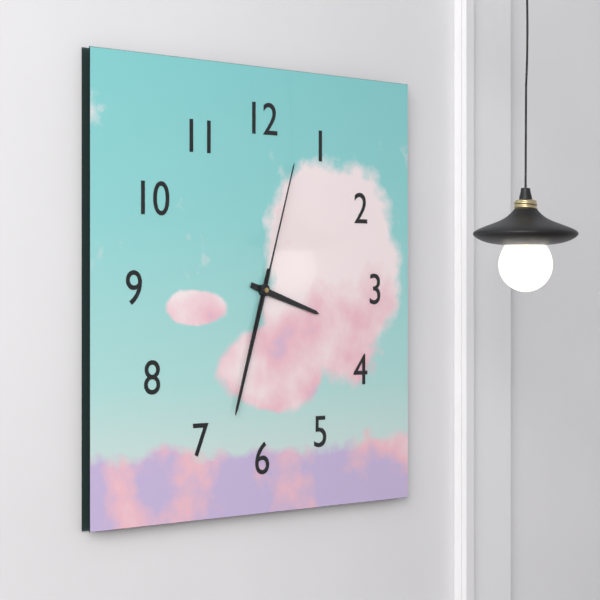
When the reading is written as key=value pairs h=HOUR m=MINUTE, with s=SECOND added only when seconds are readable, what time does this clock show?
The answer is h=3 m=33 s=3
